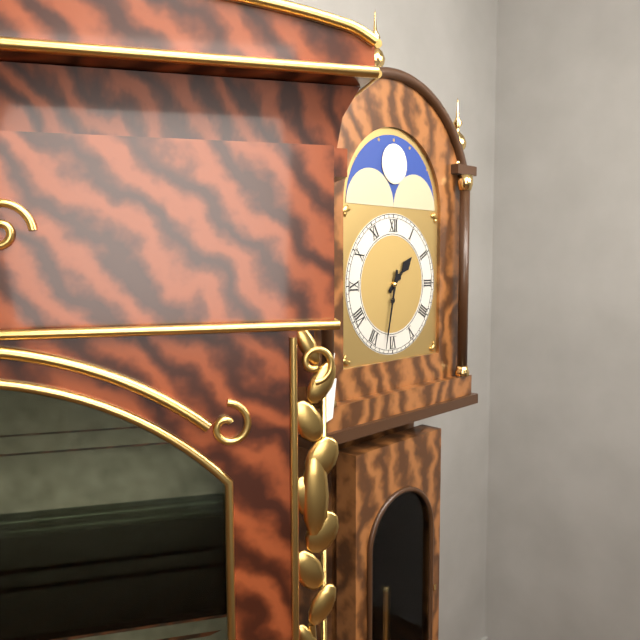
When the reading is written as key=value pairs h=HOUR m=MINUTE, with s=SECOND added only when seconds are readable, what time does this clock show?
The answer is h=1 m=32
